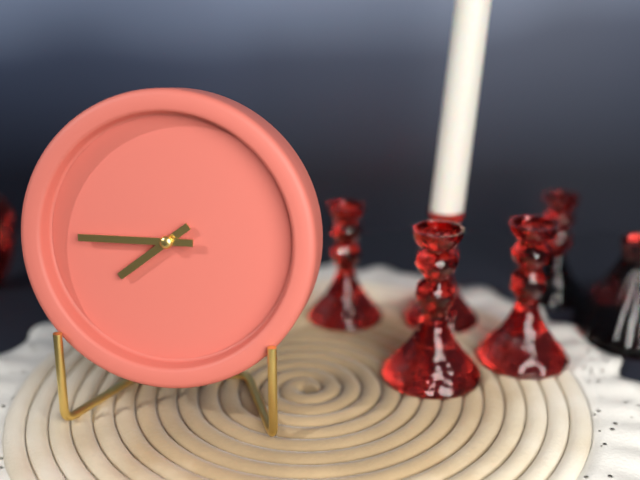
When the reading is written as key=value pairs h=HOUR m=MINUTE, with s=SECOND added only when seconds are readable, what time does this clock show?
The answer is h=7 m=45
